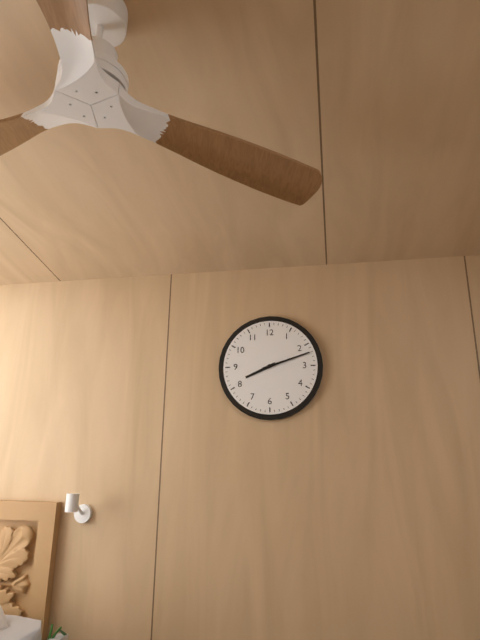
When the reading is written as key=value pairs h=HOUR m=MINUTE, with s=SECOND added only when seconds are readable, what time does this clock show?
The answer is h=8 m=12
